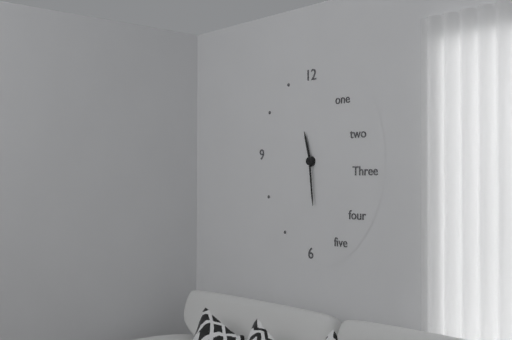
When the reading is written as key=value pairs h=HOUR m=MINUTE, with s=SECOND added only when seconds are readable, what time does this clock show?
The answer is h=11 m=29
